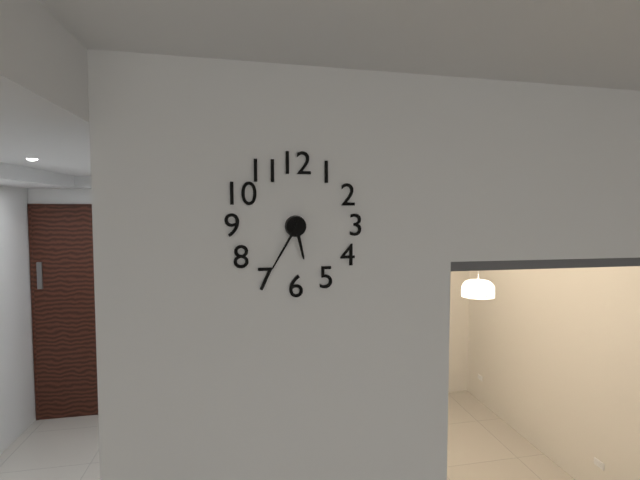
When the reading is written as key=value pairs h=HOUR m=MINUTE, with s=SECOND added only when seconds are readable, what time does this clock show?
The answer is h=5 m=35
